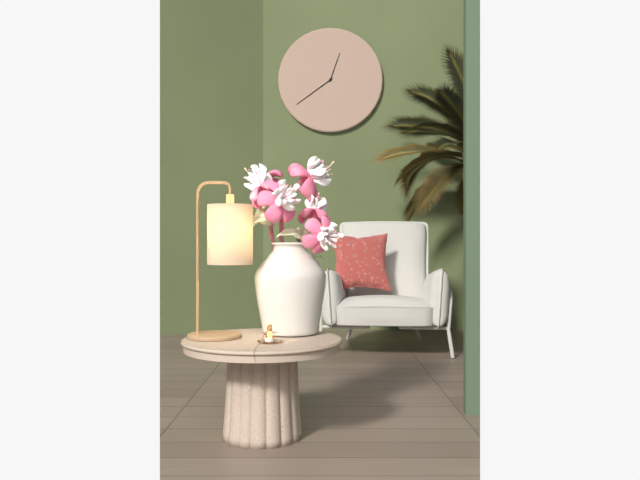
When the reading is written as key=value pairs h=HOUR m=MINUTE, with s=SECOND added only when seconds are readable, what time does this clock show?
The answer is h=12 m=39
